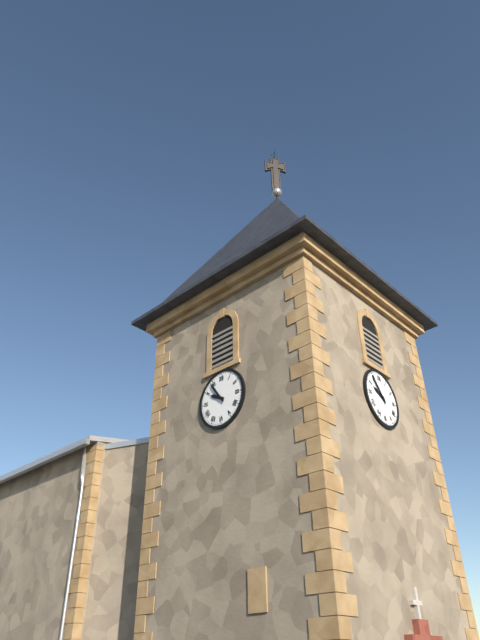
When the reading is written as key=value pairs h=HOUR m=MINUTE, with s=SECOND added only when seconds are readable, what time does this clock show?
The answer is h=9 m=54
